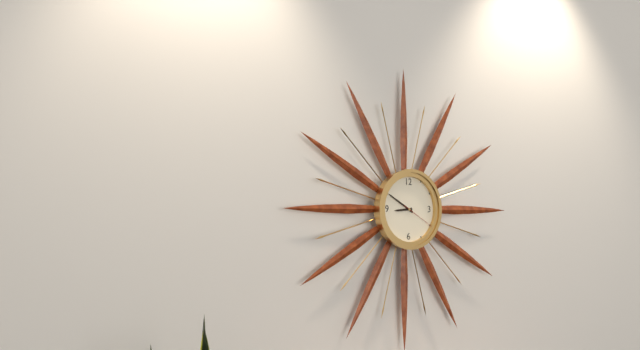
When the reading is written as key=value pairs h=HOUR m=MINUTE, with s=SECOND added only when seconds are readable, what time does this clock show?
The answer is h=8 m=50
